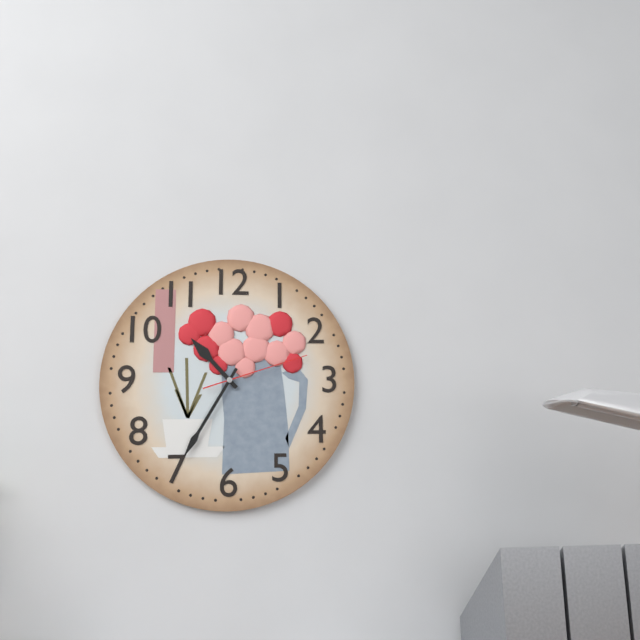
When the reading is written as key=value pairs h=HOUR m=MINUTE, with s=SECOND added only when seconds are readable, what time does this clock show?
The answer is h=10 m=35 s=12
